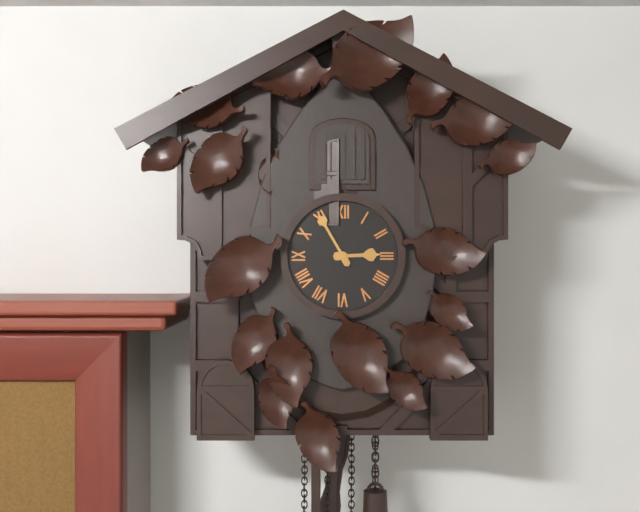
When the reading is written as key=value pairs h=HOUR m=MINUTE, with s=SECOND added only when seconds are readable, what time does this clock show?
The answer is h=2 m=55
